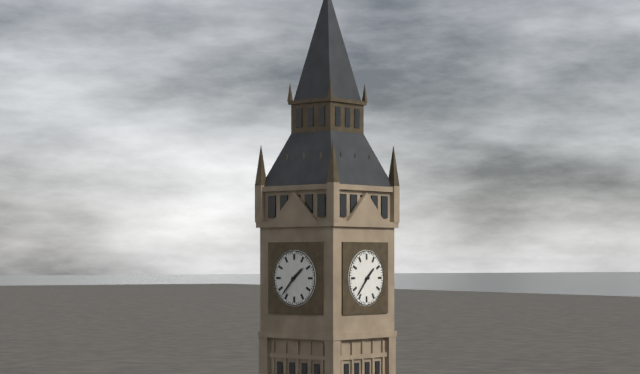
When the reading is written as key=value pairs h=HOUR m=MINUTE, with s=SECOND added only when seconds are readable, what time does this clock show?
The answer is h=1 m=37
